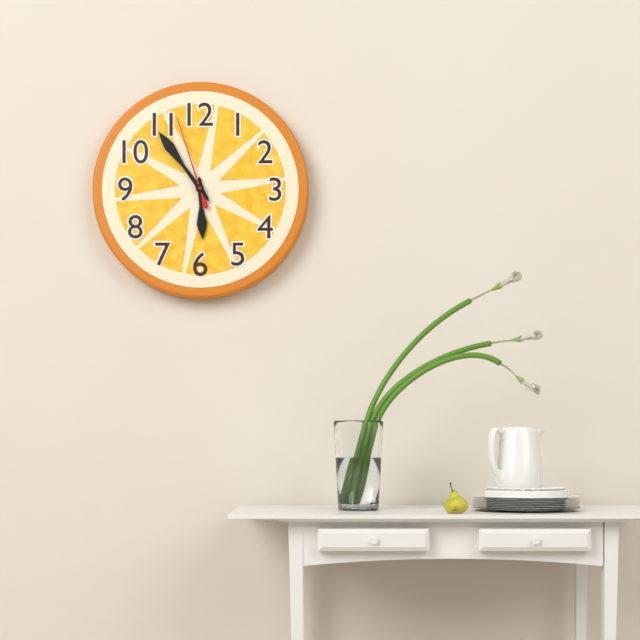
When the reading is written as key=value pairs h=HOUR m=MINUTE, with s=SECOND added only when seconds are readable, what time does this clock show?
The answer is h=5 m=54 s=57
